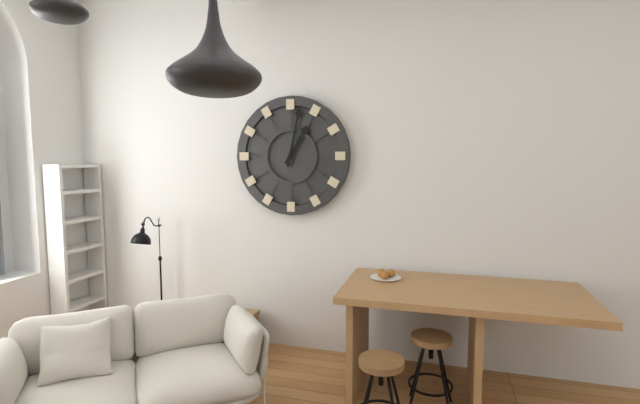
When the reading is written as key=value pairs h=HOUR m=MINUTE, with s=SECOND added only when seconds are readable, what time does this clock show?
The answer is h=1 m=2
